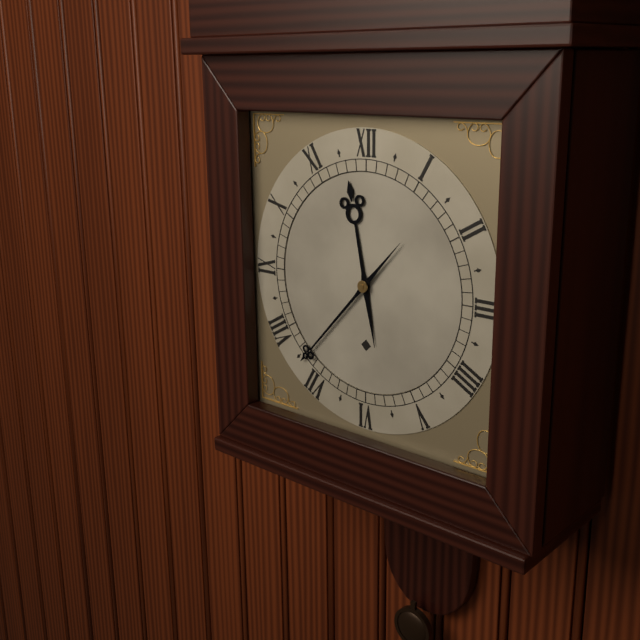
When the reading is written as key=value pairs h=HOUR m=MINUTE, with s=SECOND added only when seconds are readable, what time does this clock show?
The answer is h=11 m=37
